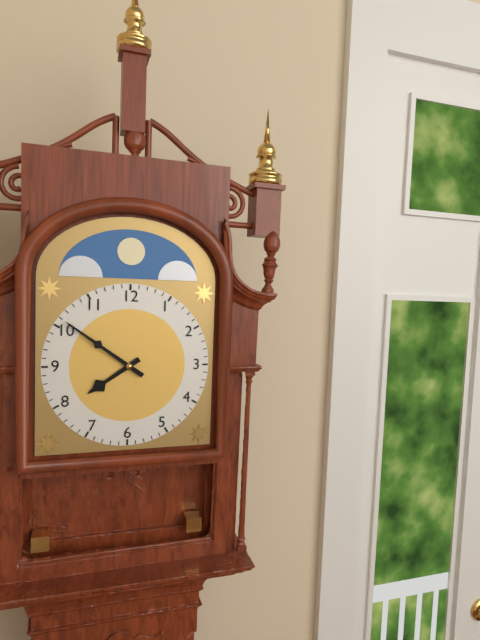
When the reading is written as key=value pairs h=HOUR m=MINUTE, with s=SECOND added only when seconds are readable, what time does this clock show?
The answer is h=7 m=51
